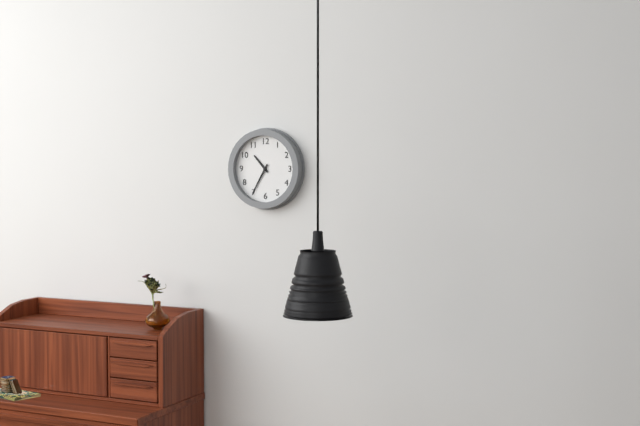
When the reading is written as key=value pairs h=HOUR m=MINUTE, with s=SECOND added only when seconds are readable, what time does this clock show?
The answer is h=10 m=35
